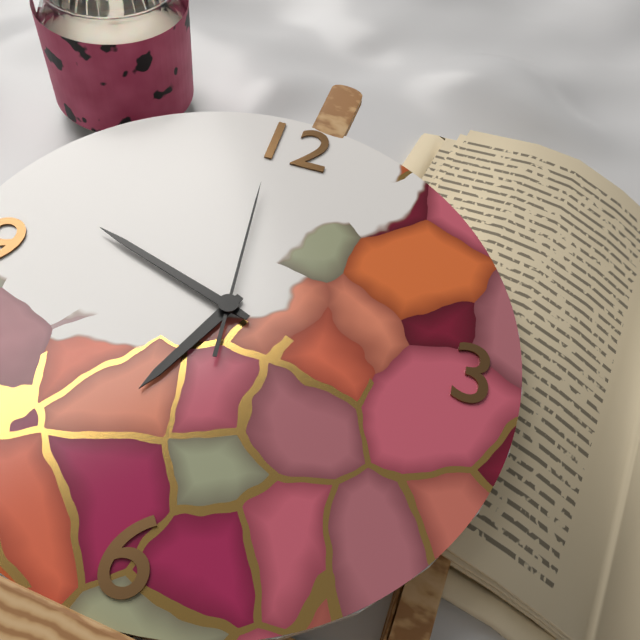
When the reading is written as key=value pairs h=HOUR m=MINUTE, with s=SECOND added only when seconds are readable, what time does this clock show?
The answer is h=6 m=48 s=59
